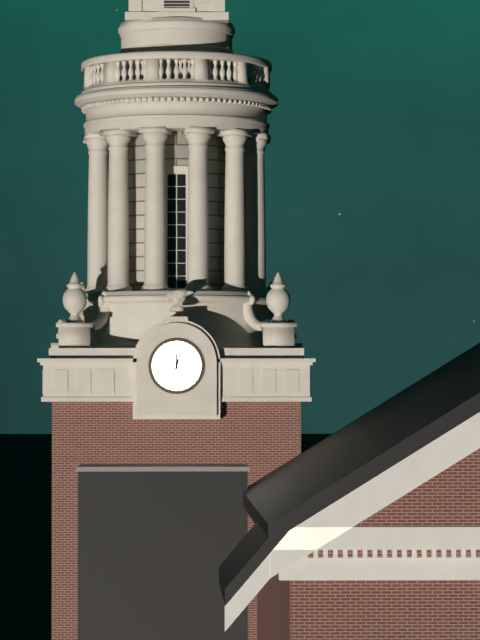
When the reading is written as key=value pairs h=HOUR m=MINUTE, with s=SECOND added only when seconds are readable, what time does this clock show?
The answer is h=12 m=3
